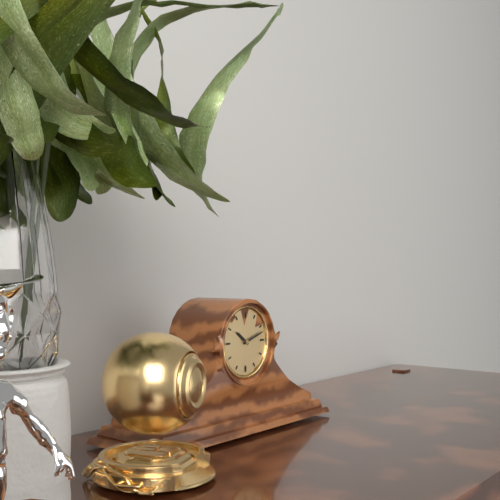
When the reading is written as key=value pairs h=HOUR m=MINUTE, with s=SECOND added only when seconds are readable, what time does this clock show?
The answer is h=10 m=12
